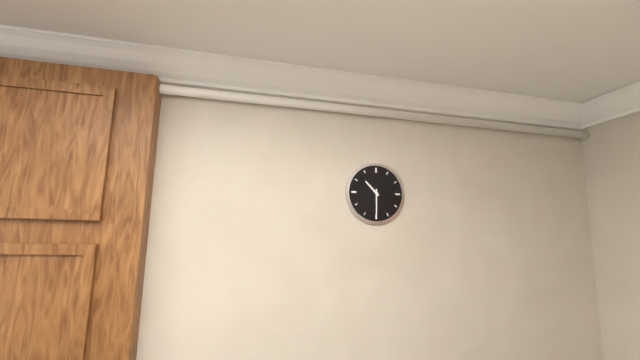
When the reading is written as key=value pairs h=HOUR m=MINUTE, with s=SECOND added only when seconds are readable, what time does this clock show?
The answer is h=10 m=30
